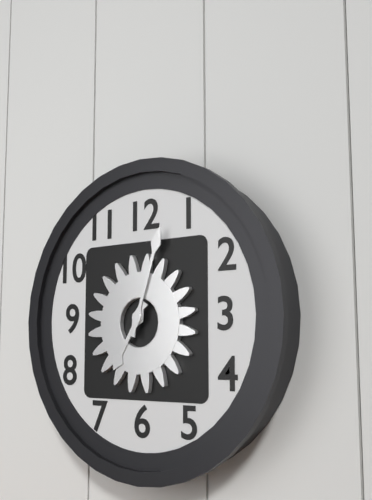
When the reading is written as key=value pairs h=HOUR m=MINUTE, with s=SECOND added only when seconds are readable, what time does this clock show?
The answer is h=7 m=3
